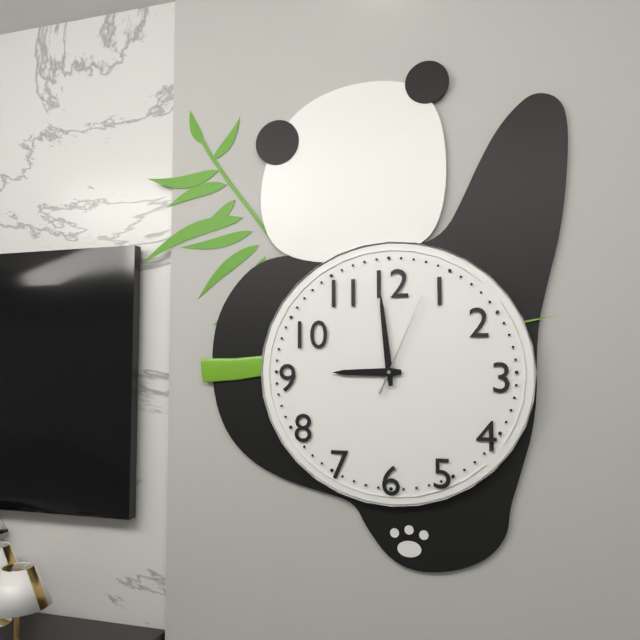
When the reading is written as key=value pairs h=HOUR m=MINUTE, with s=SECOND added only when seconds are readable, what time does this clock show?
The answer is h=8 m=59 s=4
